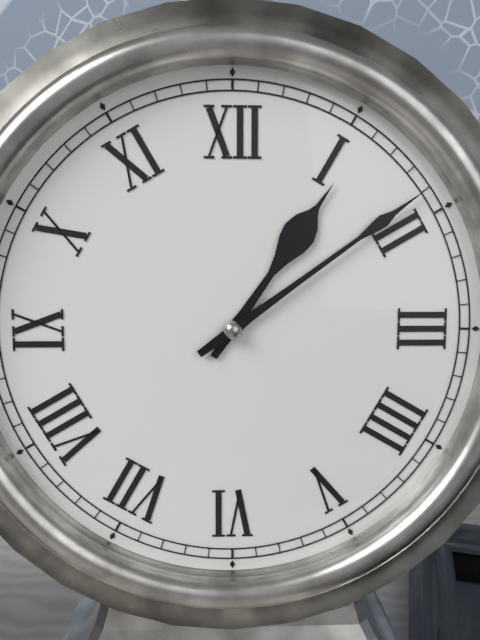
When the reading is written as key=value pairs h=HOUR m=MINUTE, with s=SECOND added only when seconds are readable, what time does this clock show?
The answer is h=1 m=9
